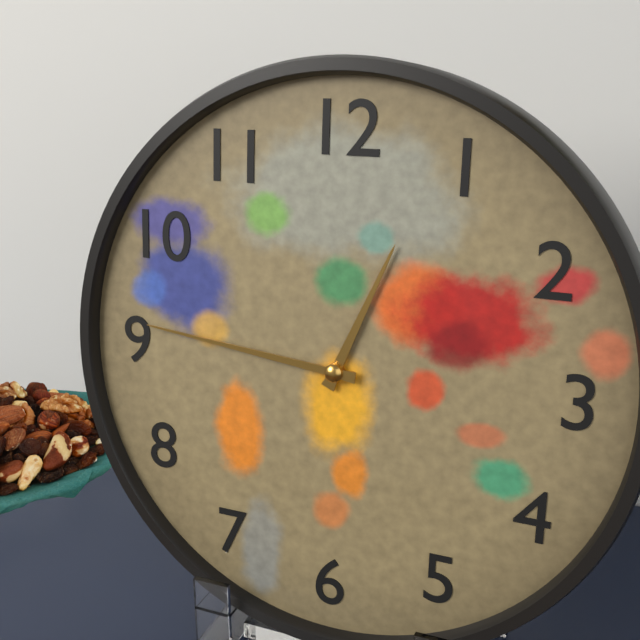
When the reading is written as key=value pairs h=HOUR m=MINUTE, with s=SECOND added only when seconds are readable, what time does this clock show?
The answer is h=12 m=46
